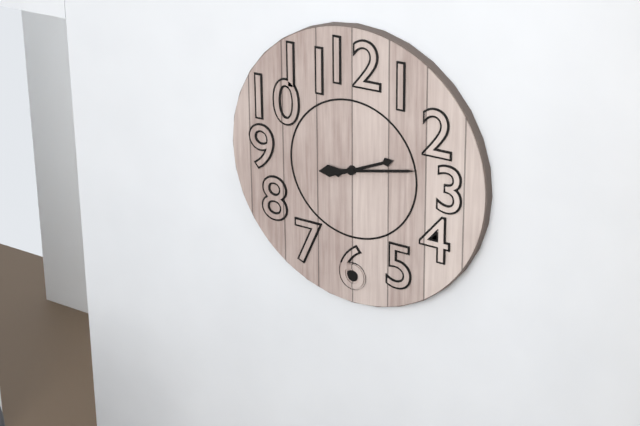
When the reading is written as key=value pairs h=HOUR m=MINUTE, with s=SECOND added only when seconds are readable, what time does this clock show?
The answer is h=2 m=13
